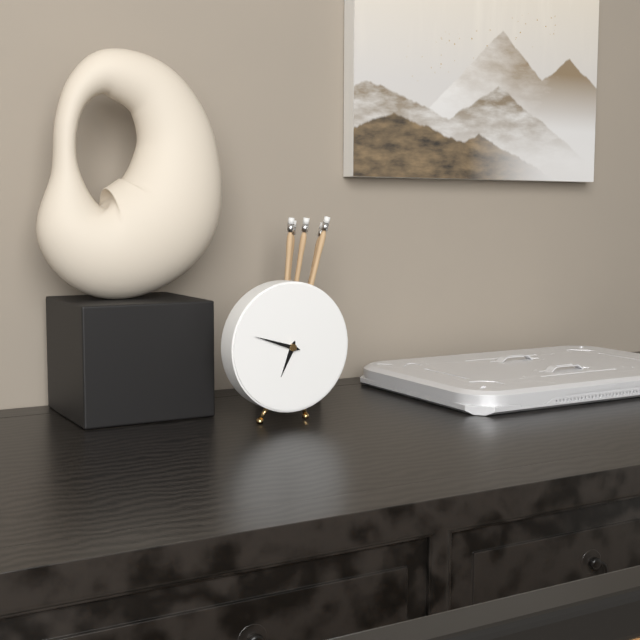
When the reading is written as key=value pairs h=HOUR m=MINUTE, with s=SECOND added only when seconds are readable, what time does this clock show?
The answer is h=6 m=48
